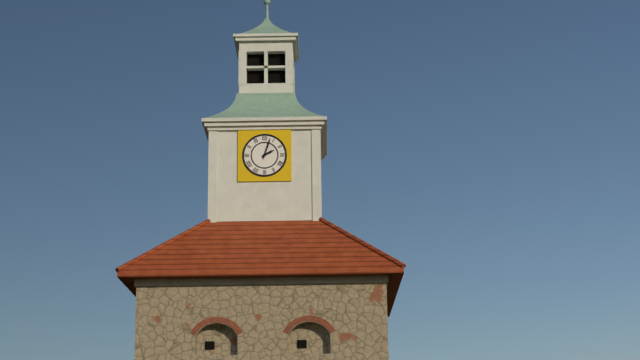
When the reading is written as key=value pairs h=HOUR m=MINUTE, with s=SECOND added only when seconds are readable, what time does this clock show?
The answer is h=2 m=3
